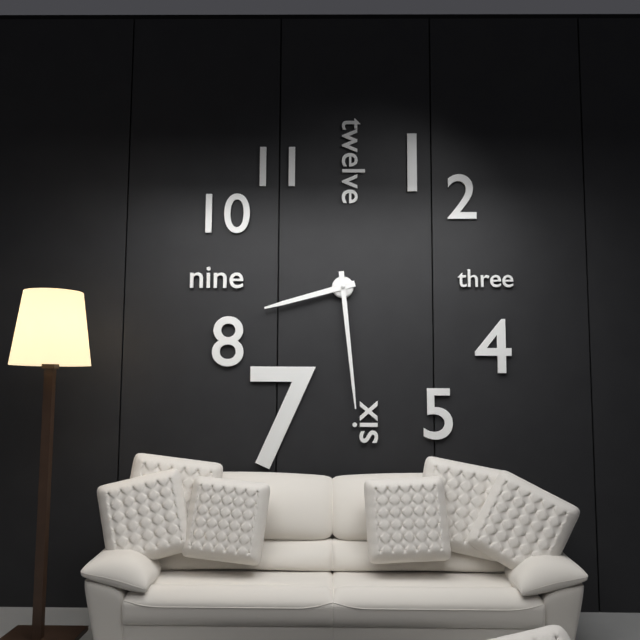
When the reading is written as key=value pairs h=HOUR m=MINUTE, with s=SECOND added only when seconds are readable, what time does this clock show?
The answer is h=8 m=29
